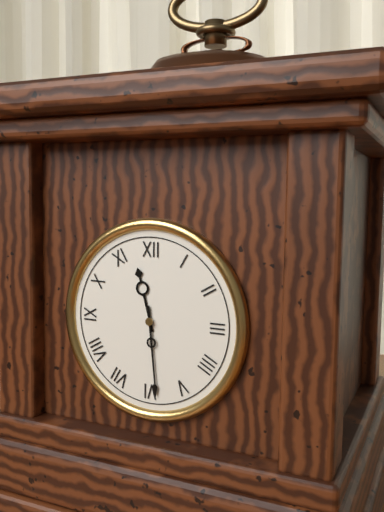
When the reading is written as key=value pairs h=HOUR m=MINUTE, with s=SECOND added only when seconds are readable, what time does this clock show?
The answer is h=11 m=29
